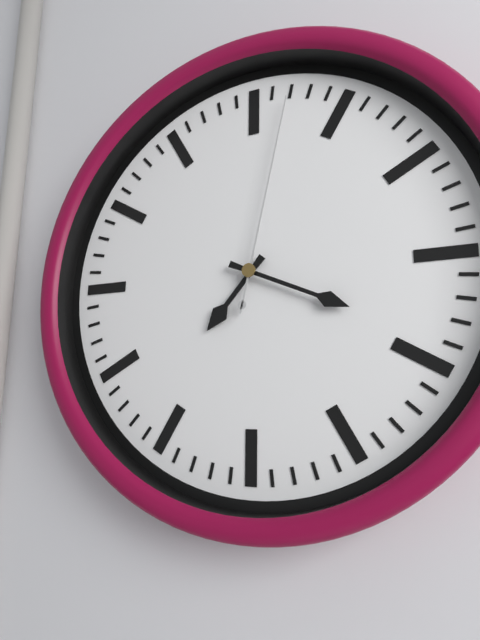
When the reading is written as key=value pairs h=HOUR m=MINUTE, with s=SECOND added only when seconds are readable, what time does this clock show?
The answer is h=7 m=19 s=2
